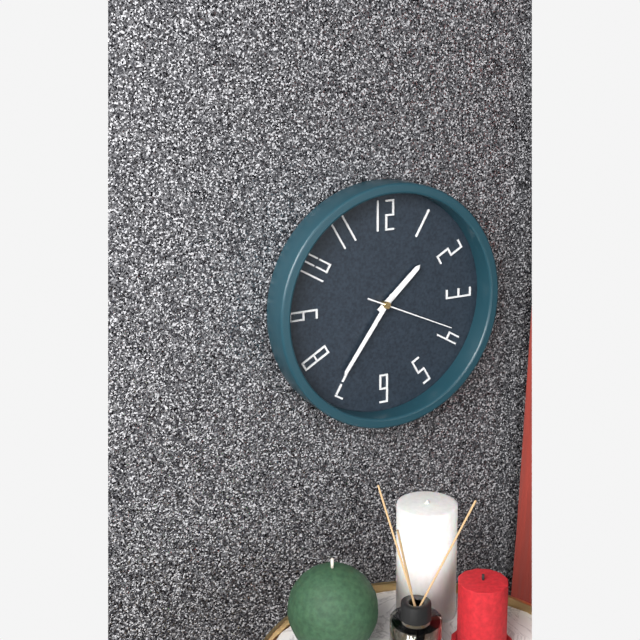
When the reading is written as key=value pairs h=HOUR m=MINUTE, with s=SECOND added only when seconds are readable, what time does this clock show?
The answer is h=1 m=36 s=19
